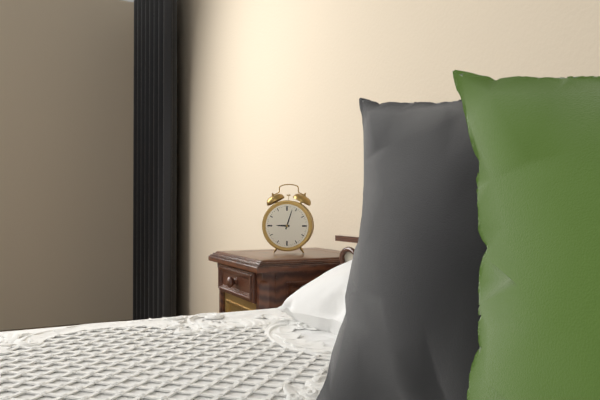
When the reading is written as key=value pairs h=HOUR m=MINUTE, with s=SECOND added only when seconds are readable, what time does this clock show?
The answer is h=9 m=3
